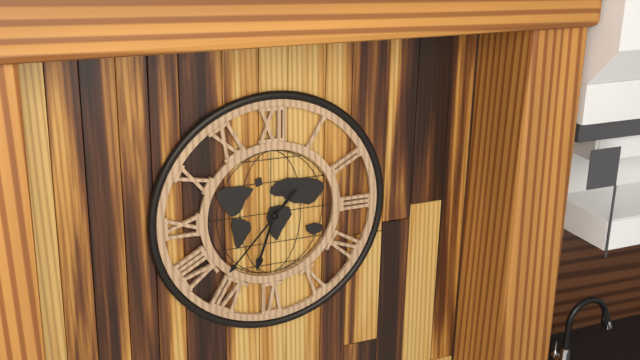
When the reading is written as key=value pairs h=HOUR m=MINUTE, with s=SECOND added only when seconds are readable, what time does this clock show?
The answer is h=6 m=37
